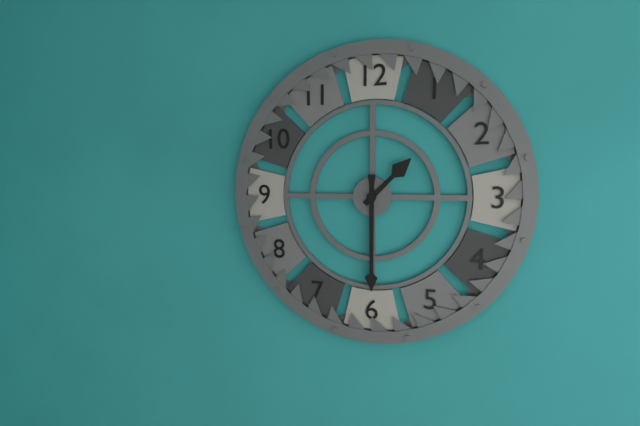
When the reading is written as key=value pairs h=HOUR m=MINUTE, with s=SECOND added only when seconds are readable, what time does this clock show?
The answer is h=1 m=30
